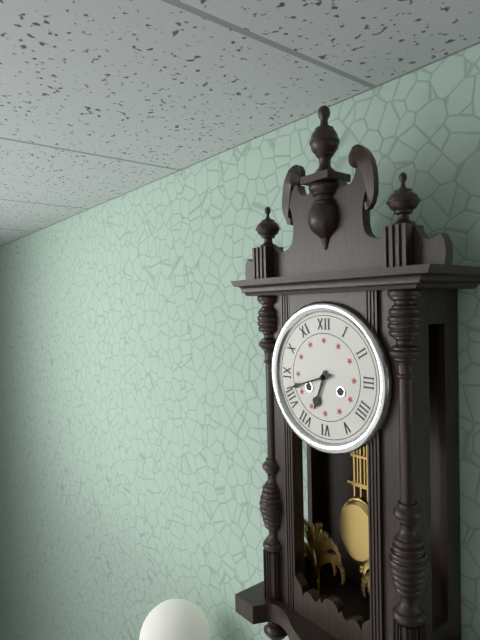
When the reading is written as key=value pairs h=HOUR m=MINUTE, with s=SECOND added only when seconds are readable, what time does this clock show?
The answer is h=6 m=42
